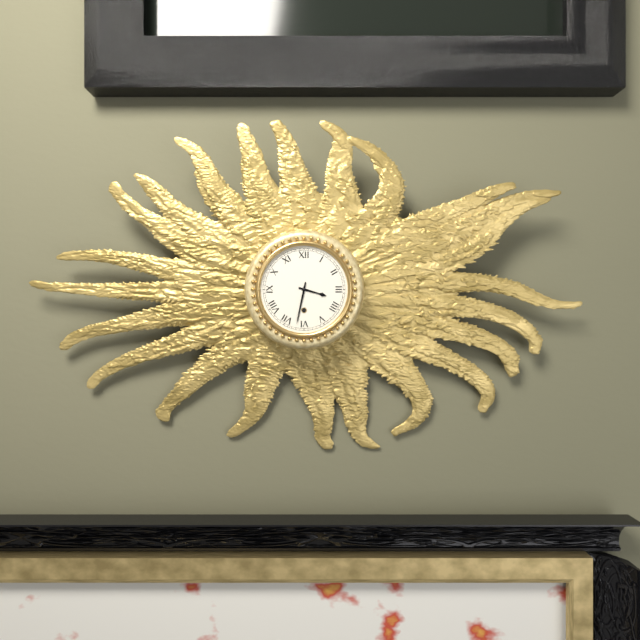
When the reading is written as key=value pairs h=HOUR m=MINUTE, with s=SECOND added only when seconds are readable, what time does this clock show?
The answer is h=3 m=32
